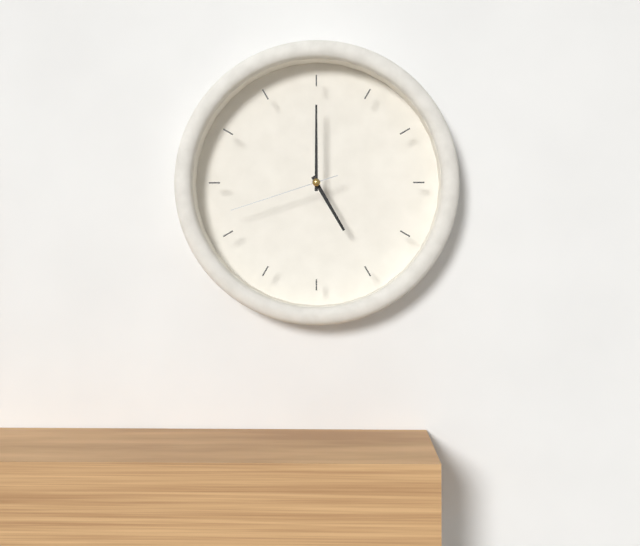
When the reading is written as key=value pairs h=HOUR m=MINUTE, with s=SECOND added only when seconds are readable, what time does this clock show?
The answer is h=5 m=0 s=42
